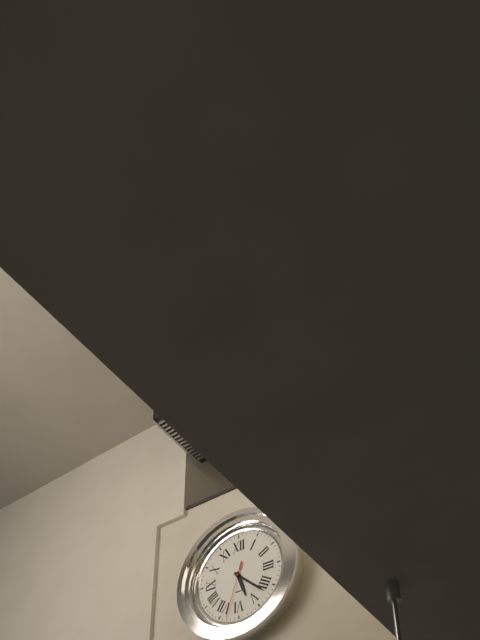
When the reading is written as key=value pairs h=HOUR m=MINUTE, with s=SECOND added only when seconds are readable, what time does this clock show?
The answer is h=5 m=22 s=33
